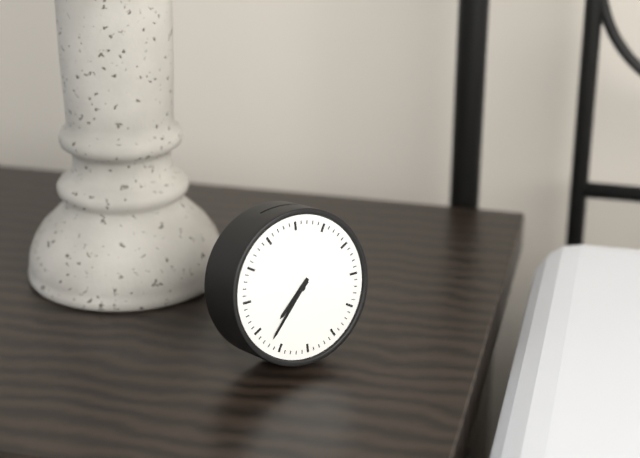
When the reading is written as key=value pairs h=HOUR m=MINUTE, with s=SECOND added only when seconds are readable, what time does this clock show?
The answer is h=7 m=37
